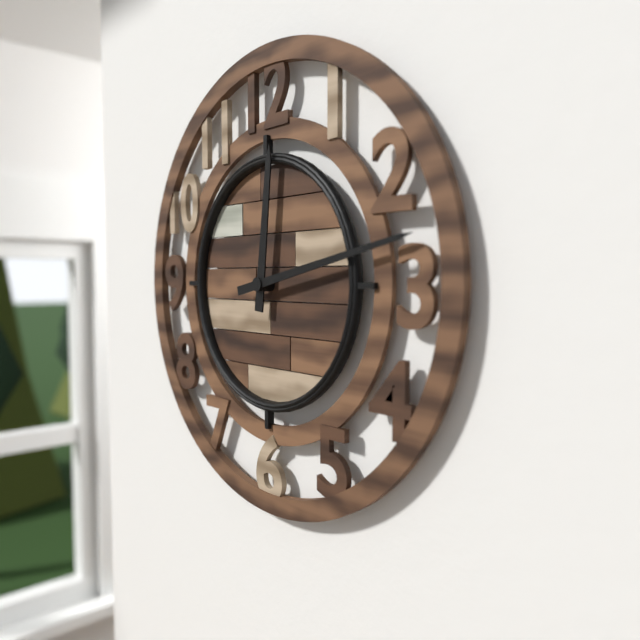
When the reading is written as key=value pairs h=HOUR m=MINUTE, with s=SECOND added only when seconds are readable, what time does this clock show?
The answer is h=12 m=13
